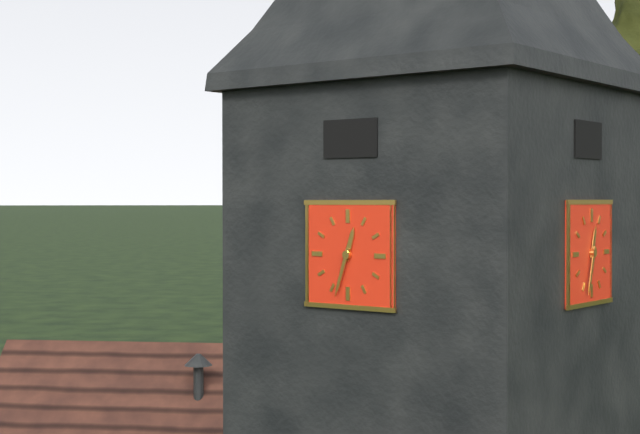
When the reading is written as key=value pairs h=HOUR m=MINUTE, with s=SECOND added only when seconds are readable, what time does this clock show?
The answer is h=12 m=33
